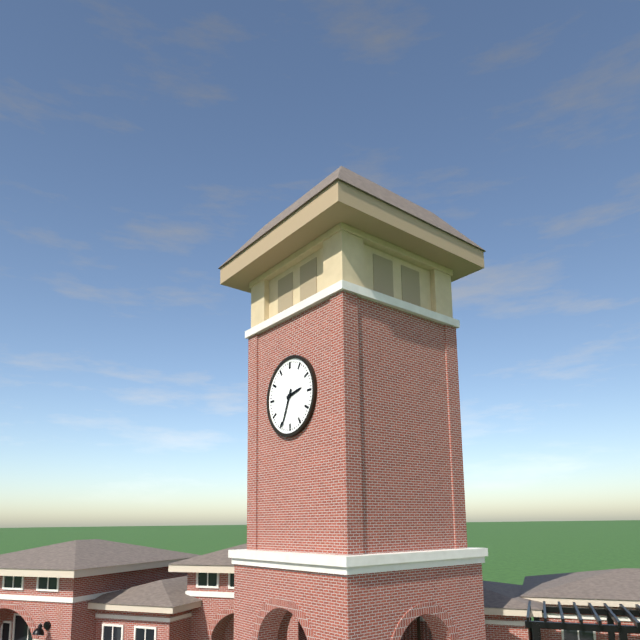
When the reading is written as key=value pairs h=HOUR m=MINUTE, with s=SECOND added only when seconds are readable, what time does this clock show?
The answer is h=2 m=34
